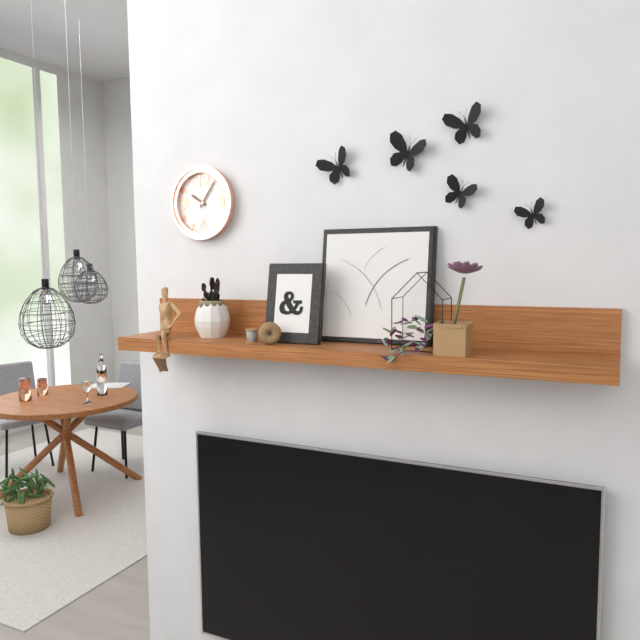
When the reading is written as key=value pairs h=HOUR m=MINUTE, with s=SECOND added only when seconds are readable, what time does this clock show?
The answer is h=10 m=6
